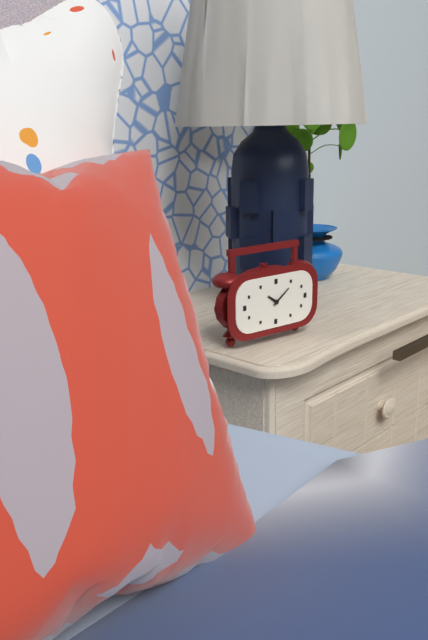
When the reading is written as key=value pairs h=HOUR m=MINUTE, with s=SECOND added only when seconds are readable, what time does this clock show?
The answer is h=10 m=9
